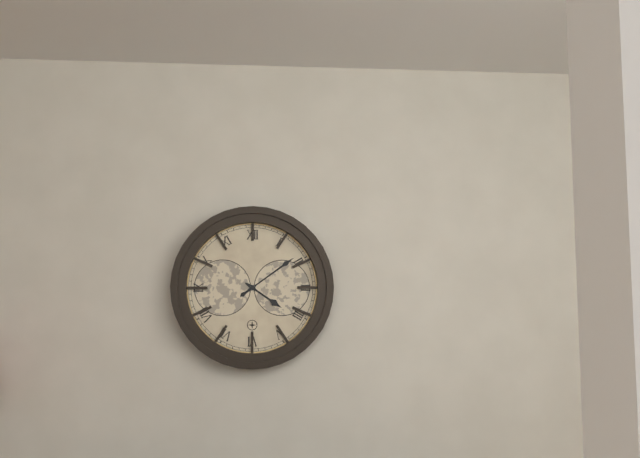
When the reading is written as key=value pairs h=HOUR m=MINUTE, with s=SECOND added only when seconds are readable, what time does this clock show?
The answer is h=4 m=9
